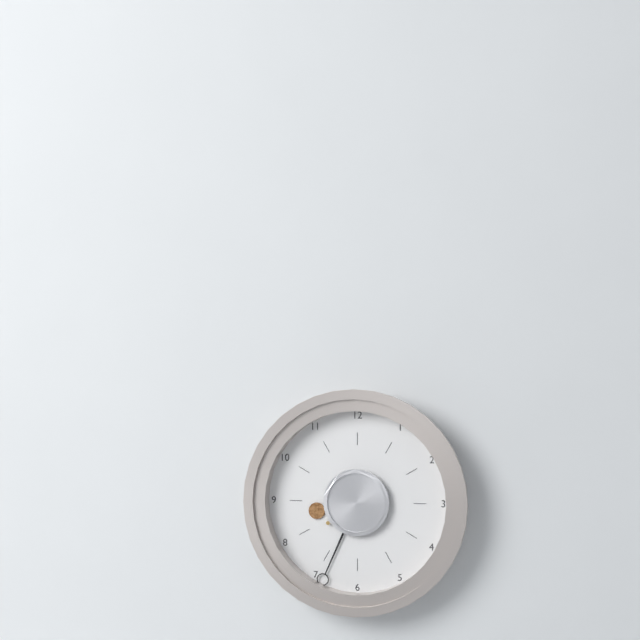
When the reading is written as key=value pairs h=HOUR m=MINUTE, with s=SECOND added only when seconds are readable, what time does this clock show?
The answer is h=8 m=34
